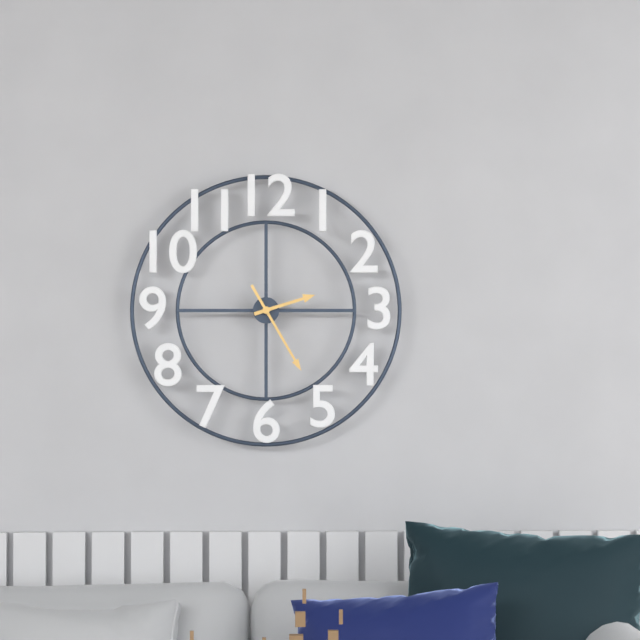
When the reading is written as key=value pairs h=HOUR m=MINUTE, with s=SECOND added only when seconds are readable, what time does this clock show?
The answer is h=2 m=25
